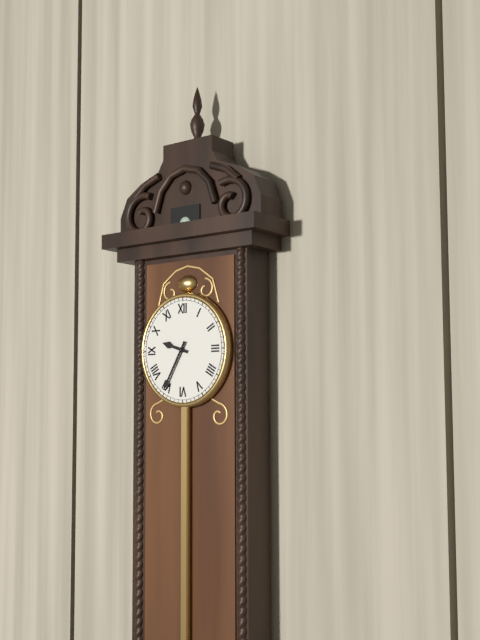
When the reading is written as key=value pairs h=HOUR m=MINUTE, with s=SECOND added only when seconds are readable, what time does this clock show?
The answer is h=9 m=35
